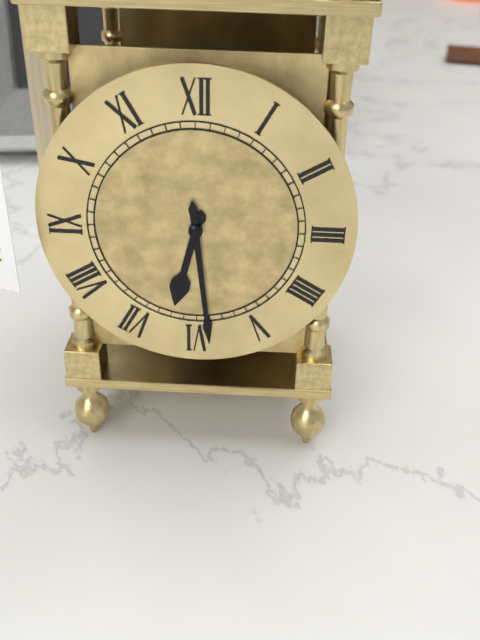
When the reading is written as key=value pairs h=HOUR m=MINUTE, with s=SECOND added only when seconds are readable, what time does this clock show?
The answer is h=6 m=29
